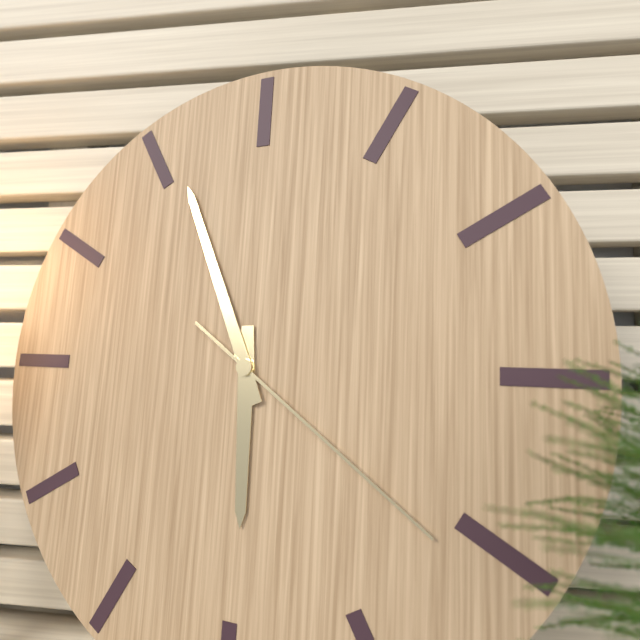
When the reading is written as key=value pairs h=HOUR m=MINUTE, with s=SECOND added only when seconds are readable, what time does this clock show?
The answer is h=5 m=56 s=21
